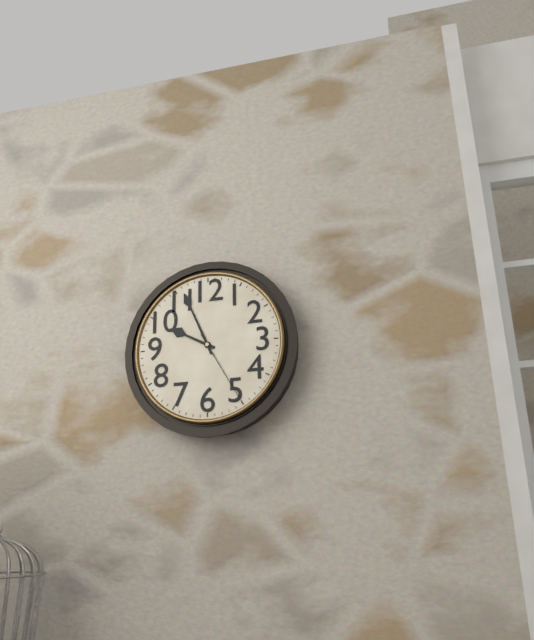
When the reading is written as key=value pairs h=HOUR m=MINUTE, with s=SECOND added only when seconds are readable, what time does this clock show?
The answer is h=9 m=56 s=25
